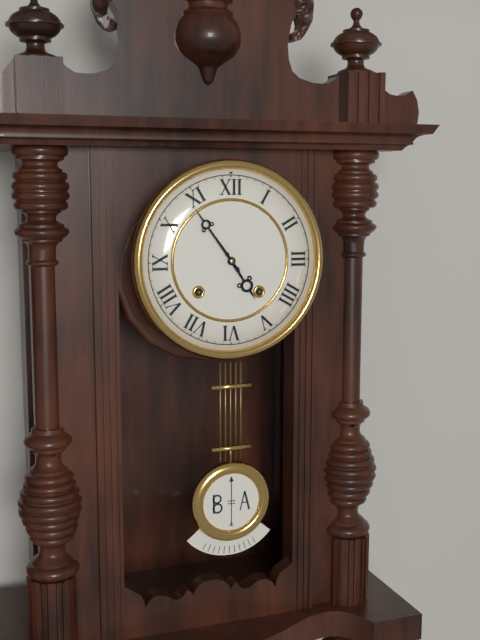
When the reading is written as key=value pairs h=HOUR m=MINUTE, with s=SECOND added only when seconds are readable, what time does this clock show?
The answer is h=4 m=54
